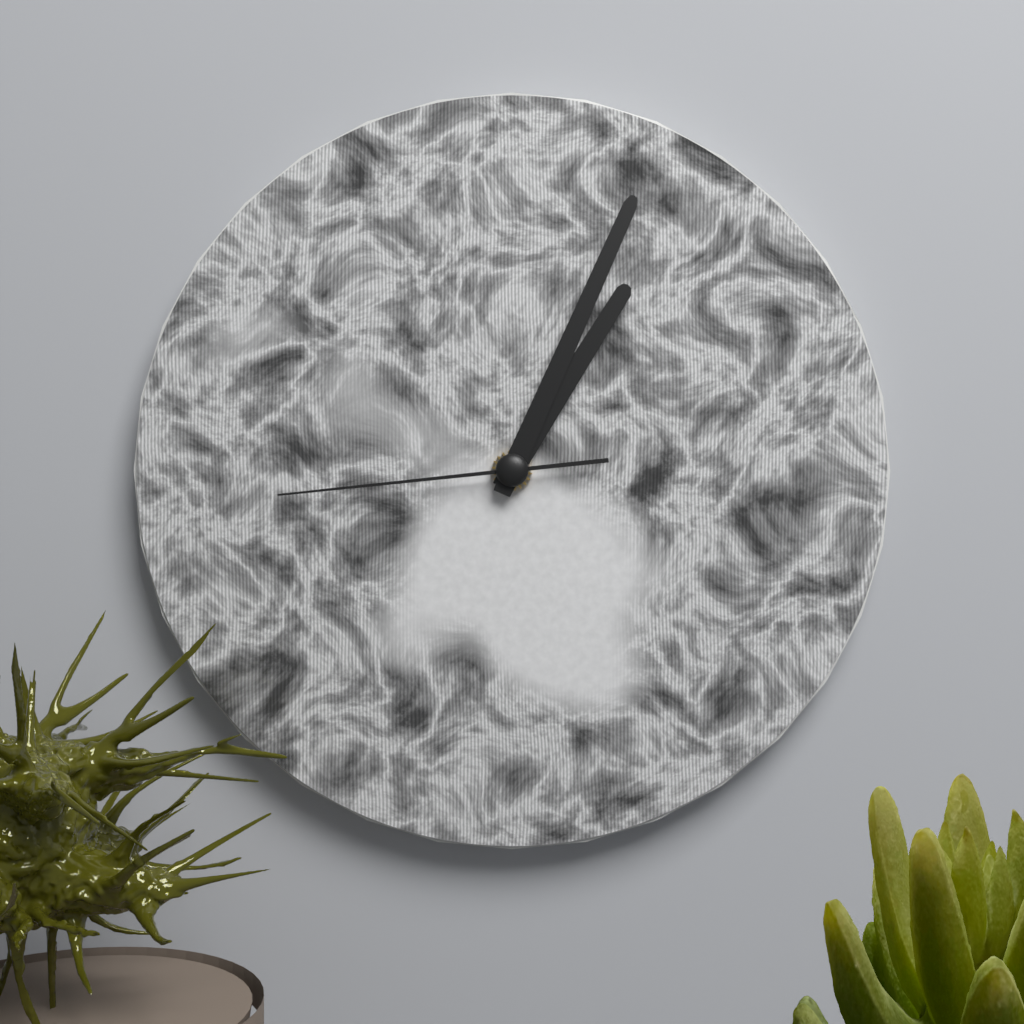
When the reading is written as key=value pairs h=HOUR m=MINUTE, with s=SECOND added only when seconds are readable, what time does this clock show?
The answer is h=1 m=4 s=44
